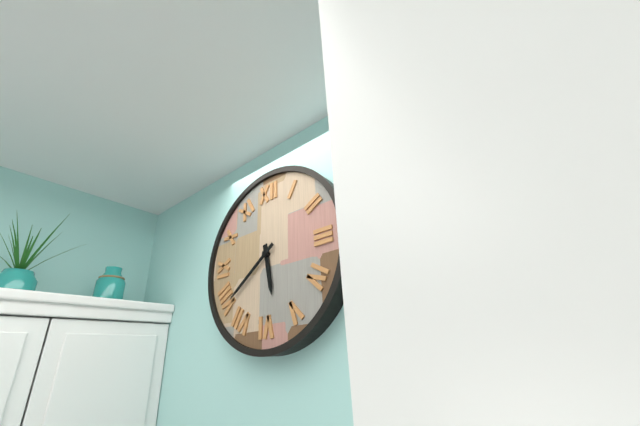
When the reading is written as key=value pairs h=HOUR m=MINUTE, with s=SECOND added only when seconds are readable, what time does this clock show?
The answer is h=5 m=39
